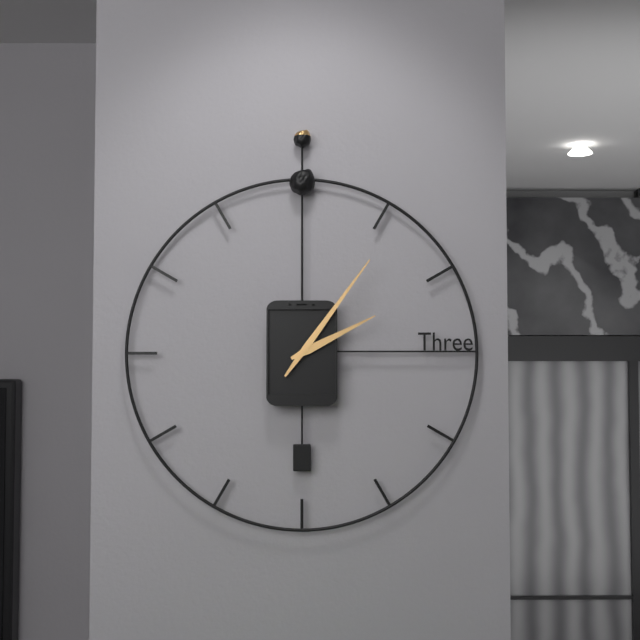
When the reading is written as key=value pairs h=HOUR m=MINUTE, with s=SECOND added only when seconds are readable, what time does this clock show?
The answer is h=2 m=6
